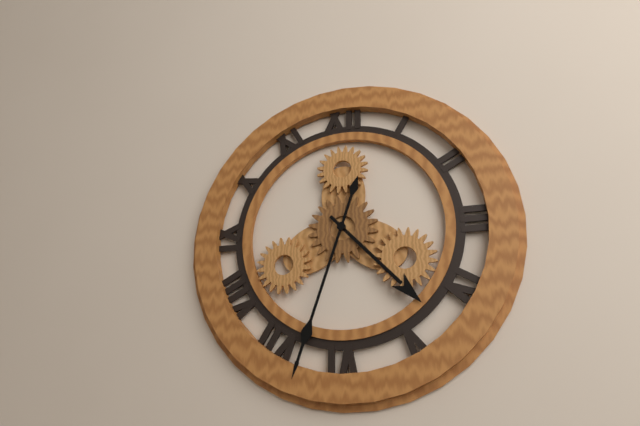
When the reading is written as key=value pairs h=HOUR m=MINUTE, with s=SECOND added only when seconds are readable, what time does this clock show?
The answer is h=4 m=33
